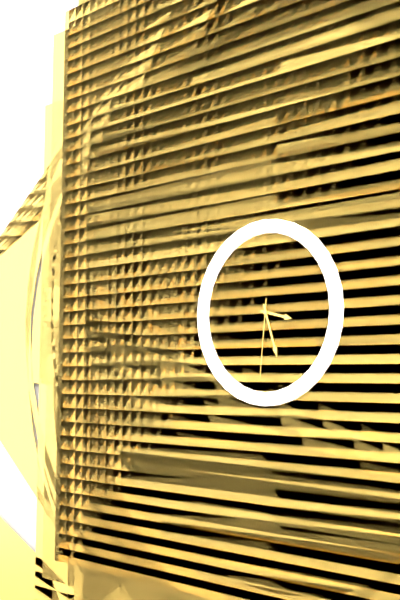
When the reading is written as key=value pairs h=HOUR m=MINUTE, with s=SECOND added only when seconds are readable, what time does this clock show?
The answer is h=3 m=27 s=31
